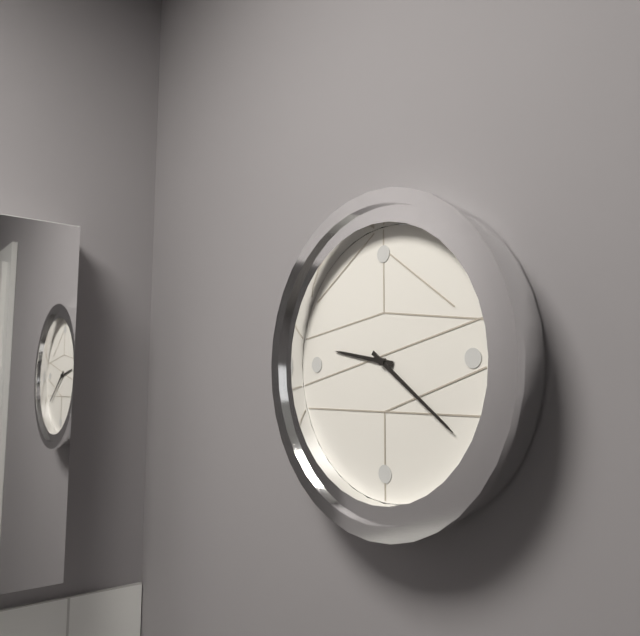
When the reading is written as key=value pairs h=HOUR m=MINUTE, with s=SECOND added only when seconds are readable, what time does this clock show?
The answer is h=9 m=21
